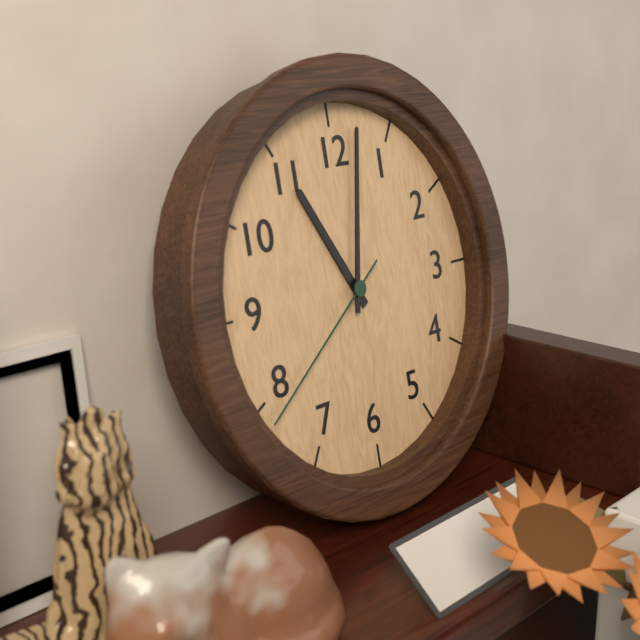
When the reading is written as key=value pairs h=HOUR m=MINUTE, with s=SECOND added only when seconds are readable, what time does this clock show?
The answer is h=11 m=2 s=39
